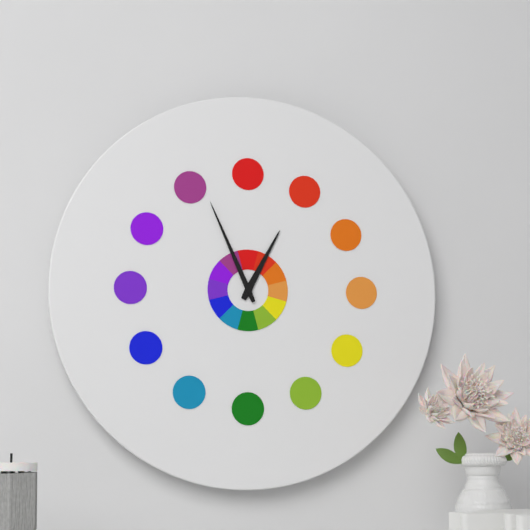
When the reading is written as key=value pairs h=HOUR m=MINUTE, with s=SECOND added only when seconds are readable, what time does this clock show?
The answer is h=12 m=56
